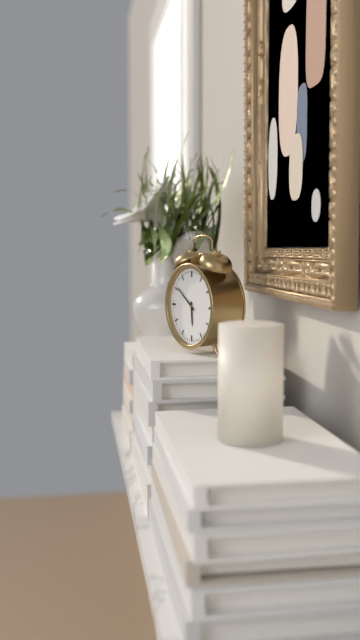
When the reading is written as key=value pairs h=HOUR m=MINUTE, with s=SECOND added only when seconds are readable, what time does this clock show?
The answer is h=5 m=51
